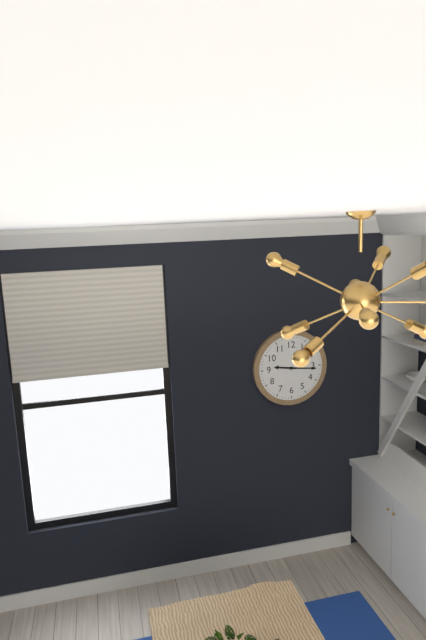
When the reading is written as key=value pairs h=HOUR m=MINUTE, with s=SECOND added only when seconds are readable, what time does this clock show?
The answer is h=9 m=16
